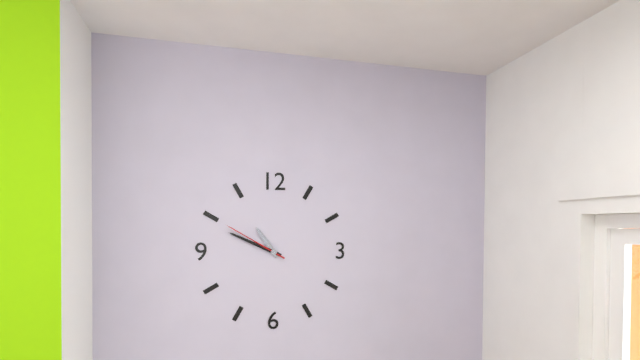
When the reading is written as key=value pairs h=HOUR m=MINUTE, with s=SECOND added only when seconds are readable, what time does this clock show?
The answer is h=10 m=49 s=50
